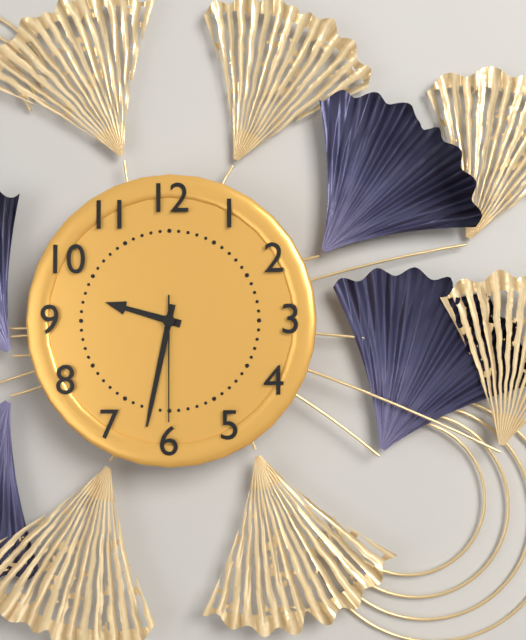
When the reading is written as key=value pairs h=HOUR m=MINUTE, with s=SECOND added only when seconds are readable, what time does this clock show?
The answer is h=9 m=32 s=30
